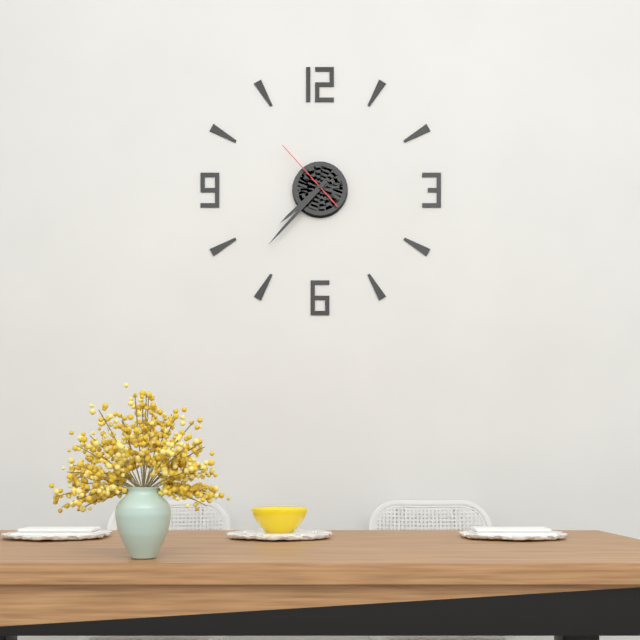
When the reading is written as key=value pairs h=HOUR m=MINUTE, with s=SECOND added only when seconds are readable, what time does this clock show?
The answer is h=7 m=37 s=53
